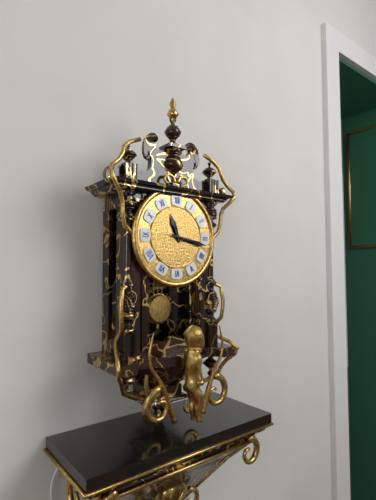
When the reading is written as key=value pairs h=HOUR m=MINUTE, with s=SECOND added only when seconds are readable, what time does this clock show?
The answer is h=11 m=17
